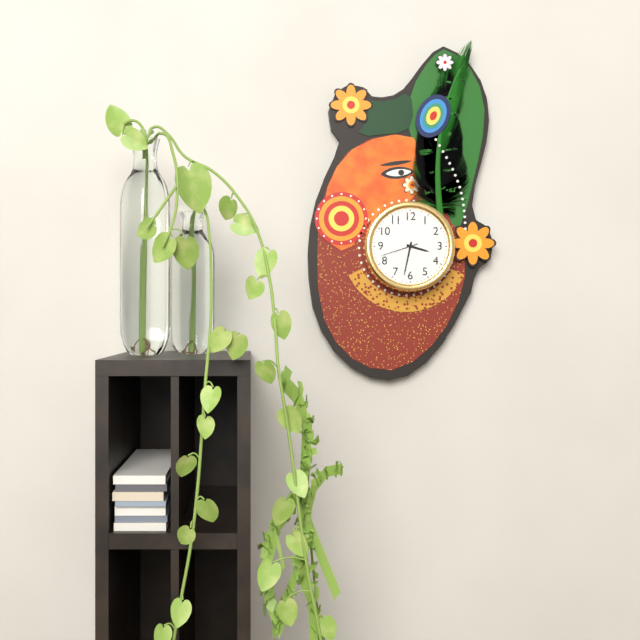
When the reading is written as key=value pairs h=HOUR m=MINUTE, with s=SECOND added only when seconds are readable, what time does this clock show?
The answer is h=3 m=32
